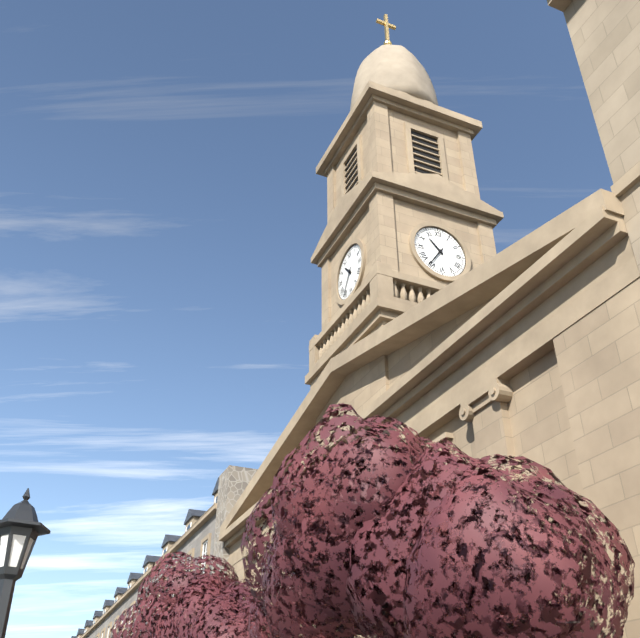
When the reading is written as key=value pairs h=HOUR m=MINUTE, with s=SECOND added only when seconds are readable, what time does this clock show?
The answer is h=10 m=36
